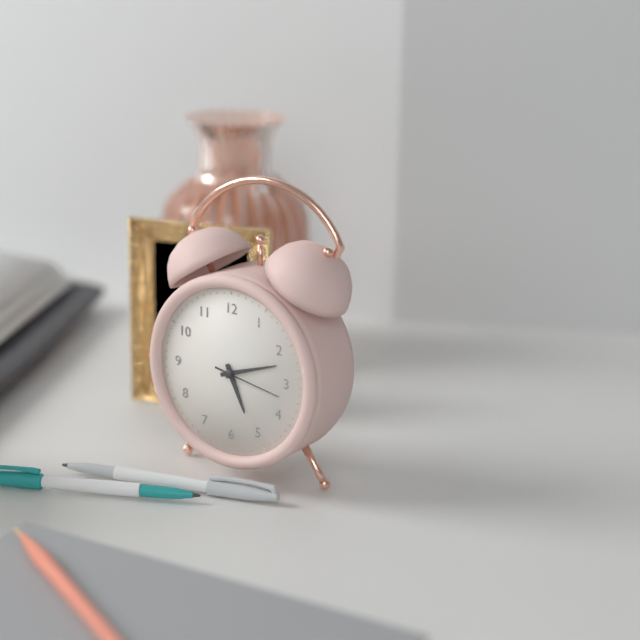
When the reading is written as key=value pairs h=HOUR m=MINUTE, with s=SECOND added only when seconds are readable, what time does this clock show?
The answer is h=5 m=12 s=17
